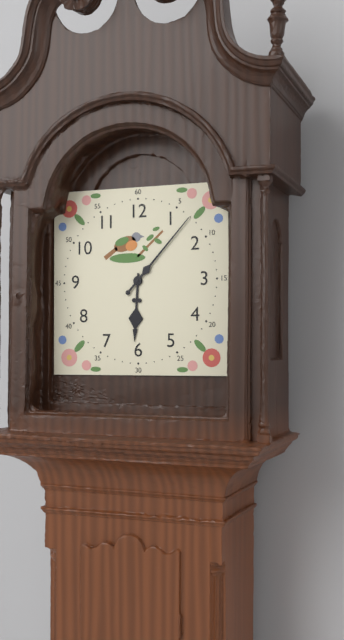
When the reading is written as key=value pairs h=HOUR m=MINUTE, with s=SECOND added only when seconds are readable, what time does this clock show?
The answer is h=6 m=7
